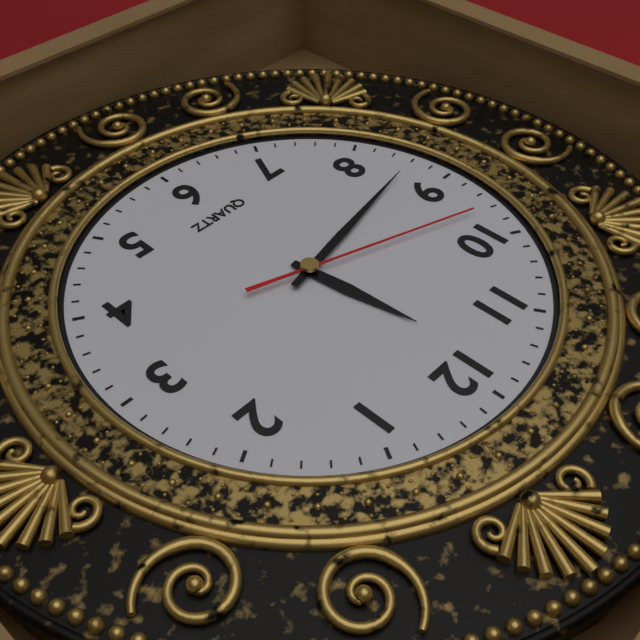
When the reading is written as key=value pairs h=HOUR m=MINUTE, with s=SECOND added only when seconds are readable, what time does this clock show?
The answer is h=11 m=43 s=48
